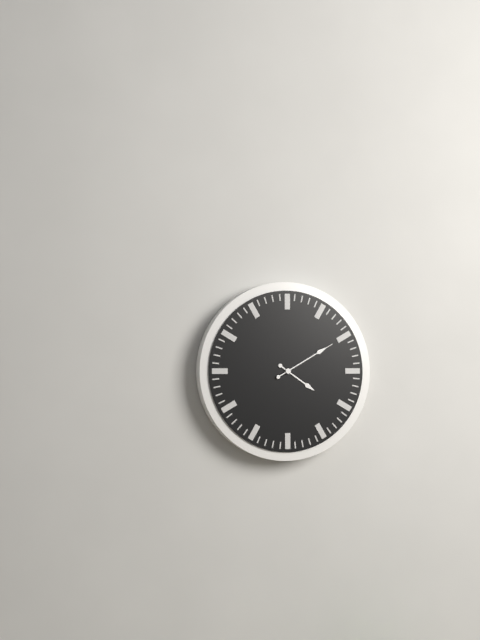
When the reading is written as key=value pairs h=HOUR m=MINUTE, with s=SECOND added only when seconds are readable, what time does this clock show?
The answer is h=4 m=10 s=10
